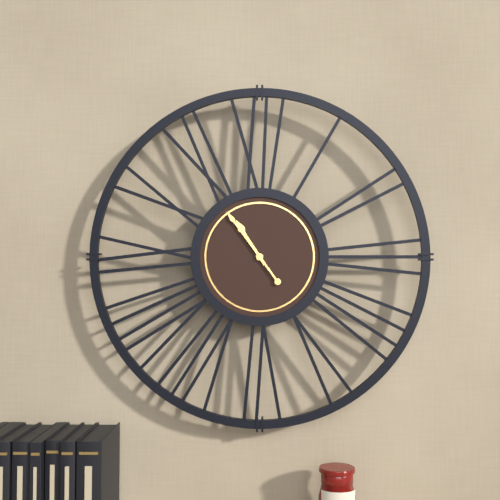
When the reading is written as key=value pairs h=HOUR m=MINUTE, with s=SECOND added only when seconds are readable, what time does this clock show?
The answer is h=10 m=54
